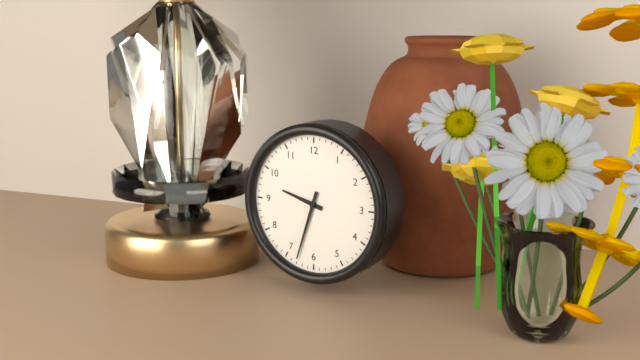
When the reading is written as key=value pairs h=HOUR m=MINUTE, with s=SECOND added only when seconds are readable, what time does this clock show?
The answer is h=9 m=33
